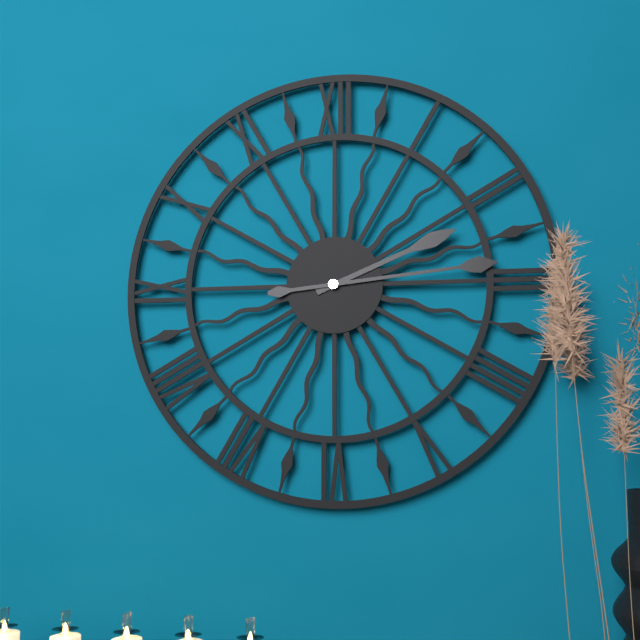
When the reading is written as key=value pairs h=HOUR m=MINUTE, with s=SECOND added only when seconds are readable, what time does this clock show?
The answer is h=2 m=14
